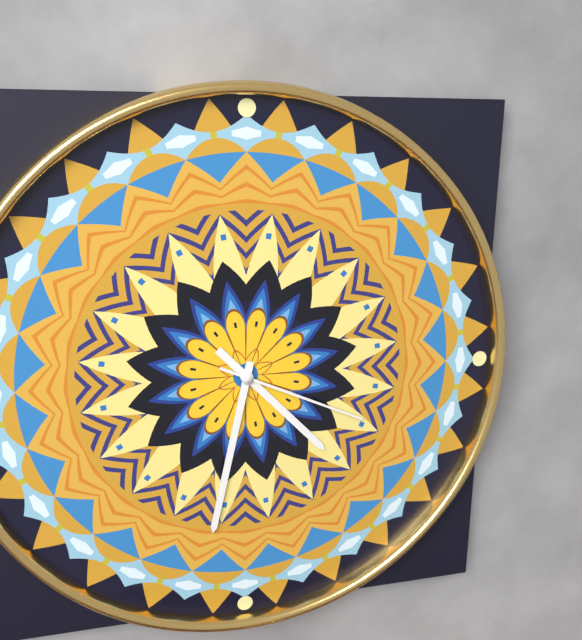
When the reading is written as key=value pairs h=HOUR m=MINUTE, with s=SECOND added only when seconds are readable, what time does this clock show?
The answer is h=4 m=32 s=19
